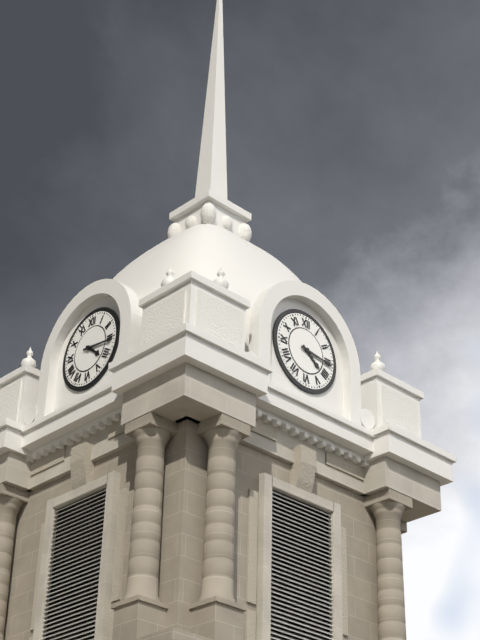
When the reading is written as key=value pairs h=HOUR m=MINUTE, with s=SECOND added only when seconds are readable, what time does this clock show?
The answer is h=4 m=16
